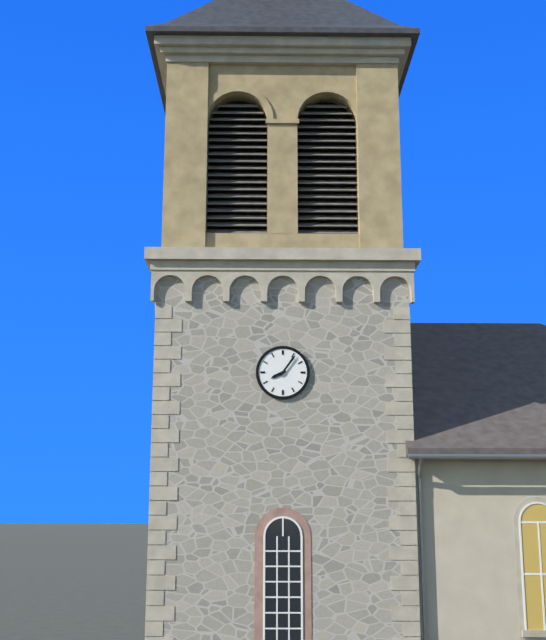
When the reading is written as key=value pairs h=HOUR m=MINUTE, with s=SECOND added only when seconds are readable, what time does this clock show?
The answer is h=8 m=6
